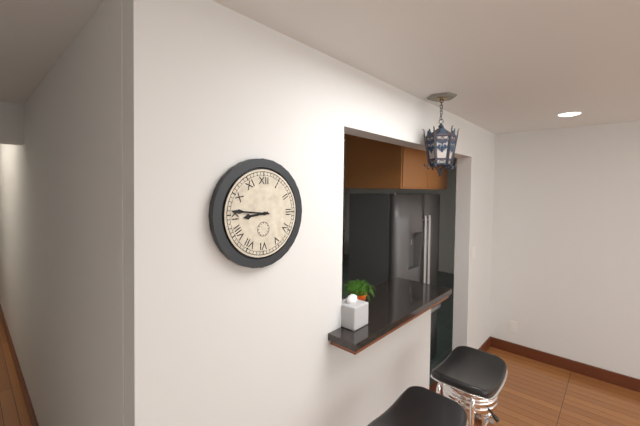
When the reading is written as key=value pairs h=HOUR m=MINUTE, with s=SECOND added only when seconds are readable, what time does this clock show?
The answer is h=8 m=46
